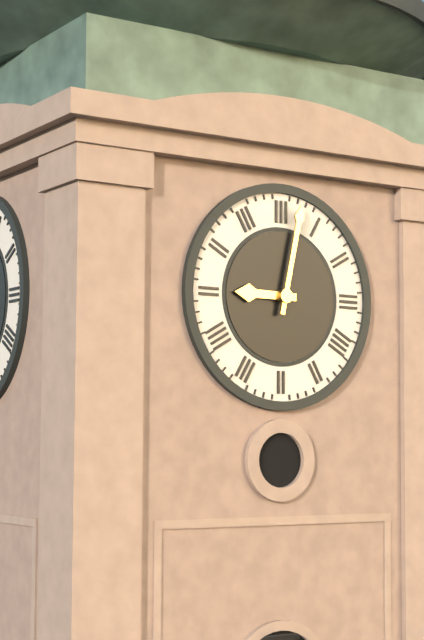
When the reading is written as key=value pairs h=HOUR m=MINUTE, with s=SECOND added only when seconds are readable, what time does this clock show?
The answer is h=9 m=2
